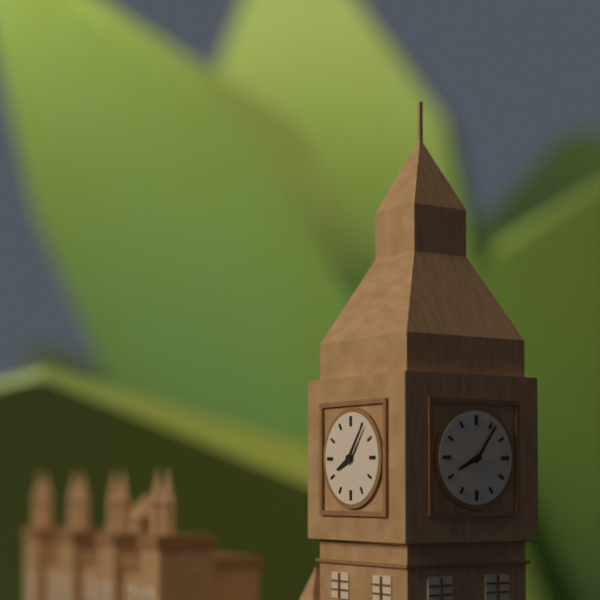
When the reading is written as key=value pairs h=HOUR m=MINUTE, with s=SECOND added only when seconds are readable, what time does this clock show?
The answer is h=8 m=6
